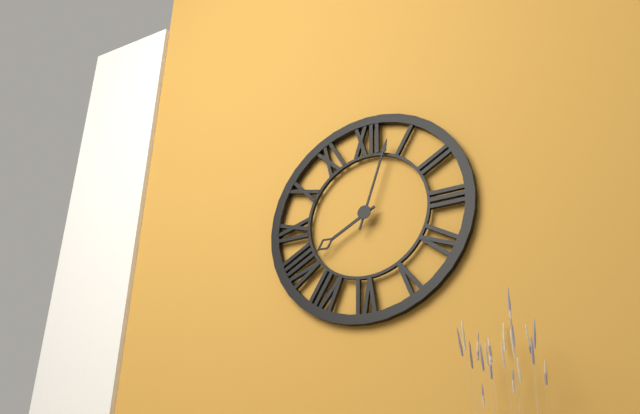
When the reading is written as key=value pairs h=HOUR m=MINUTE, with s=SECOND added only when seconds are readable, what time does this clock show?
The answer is h=8 m=3
